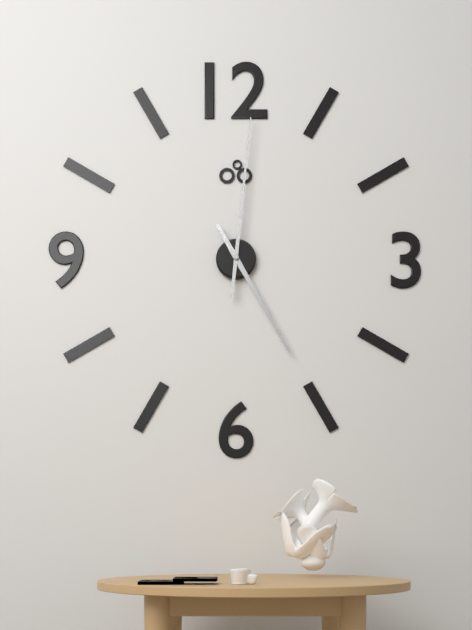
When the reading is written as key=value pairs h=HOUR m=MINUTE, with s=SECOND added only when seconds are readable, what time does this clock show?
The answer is h=5 m=1
